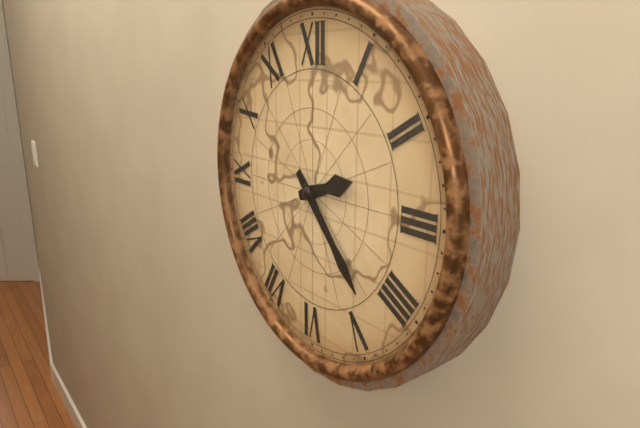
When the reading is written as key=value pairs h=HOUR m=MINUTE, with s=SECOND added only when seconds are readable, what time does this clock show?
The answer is h=2 m=23
